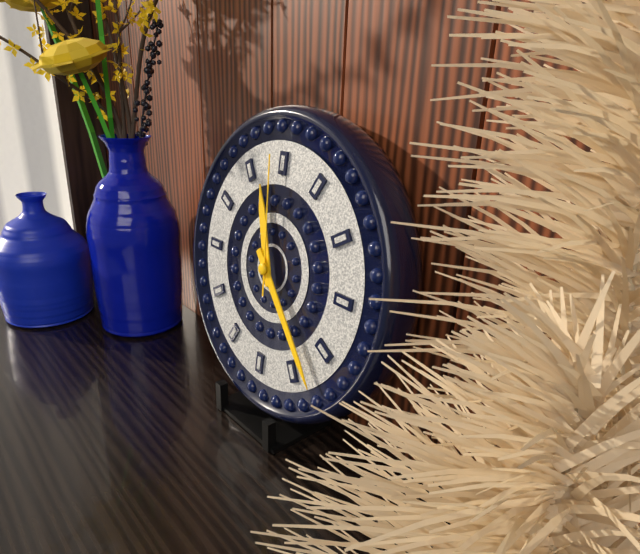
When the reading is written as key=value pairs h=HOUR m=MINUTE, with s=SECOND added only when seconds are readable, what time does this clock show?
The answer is h=11 m=23 s=59
